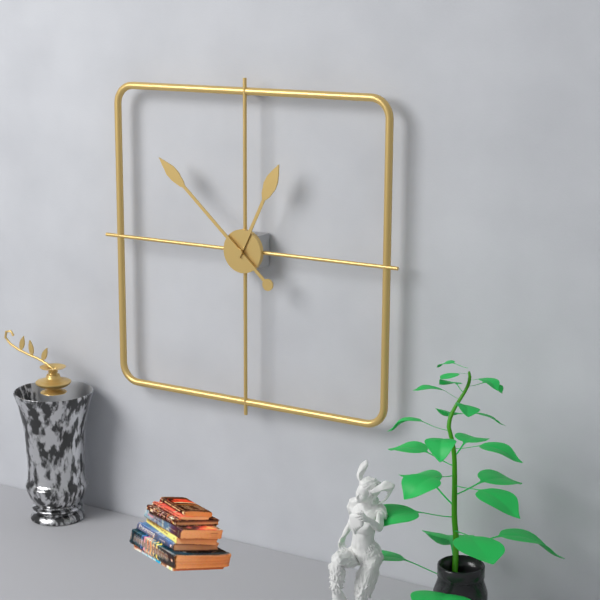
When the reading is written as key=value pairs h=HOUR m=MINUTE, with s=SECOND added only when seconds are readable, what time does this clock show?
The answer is h=12 m=52
